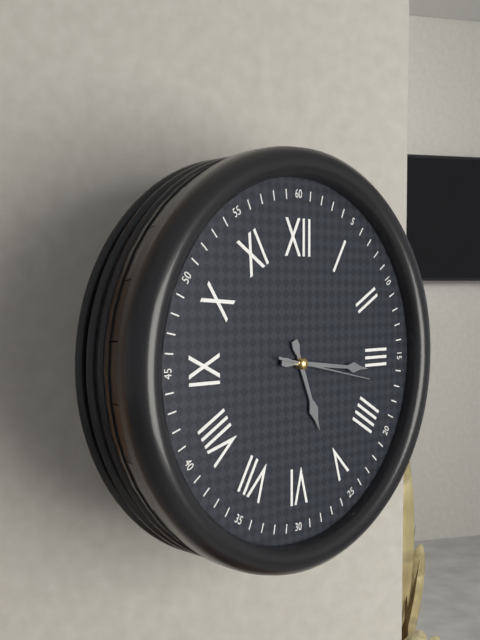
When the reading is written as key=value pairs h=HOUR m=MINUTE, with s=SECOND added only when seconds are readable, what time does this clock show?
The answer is h=5 m=16 s=17
